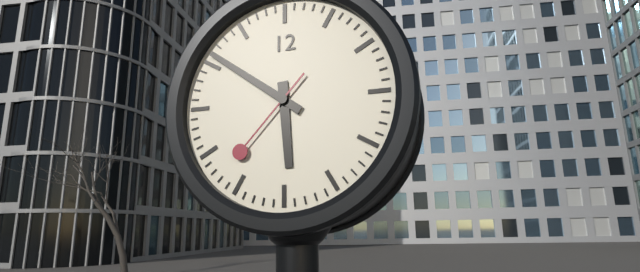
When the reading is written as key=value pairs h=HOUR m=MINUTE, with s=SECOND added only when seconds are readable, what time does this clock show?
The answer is h=5 m=51 s=37
